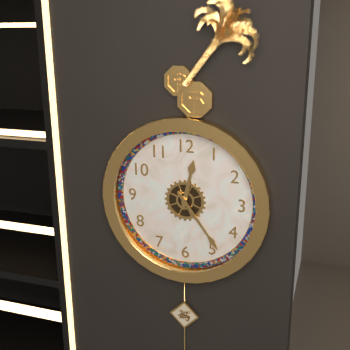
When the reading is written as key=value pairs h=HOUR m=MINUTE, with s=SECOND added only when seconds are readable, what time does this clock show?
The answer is h=12 m=24
